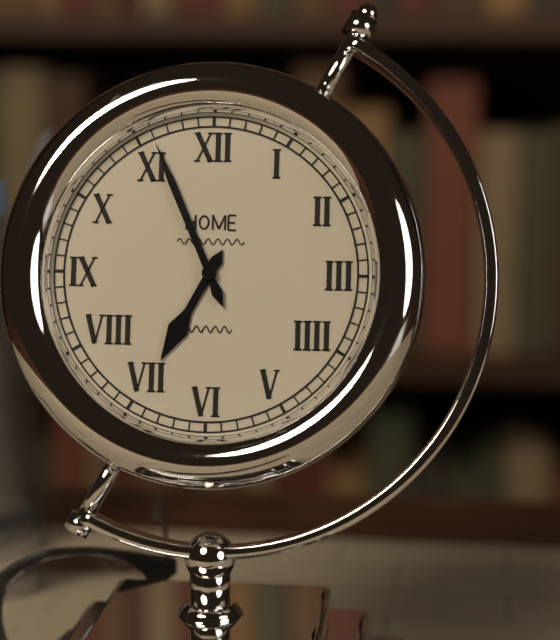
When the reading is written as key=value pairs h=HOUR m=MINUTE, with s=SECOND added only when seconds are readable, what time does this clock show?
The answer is h=6 m=56
